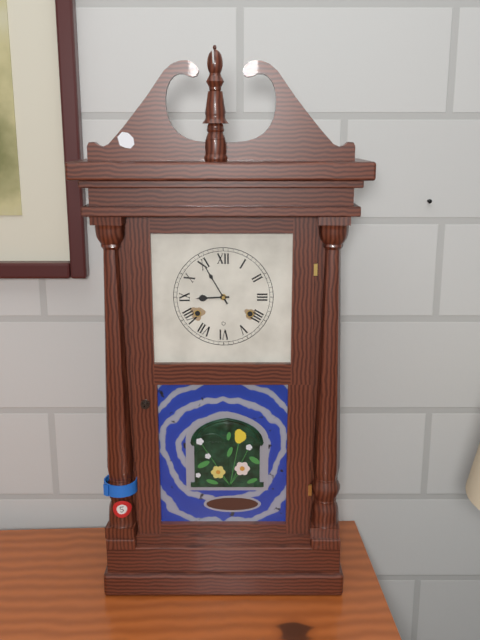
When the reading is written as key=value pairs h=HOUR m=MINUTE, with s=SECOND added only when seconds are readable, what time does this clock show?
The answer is h=8 m=55
